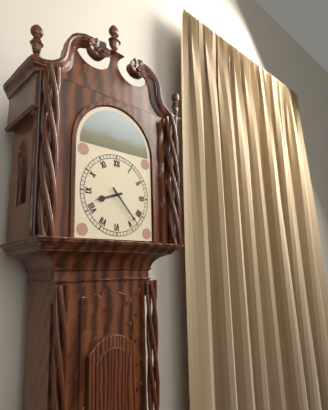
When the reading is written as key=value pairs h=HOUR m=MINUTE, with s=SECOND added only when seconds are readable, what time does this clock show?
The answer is h=8 m=23
